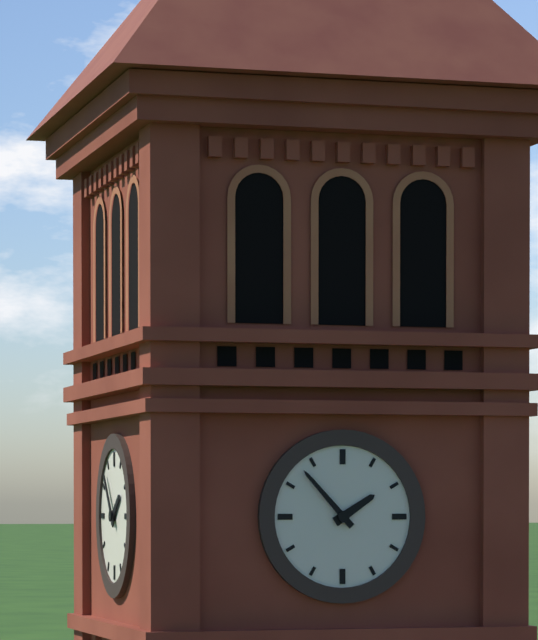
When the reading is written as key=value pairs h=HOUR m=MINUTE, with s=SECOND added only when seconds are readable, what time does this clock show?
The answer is h=1 m=53
